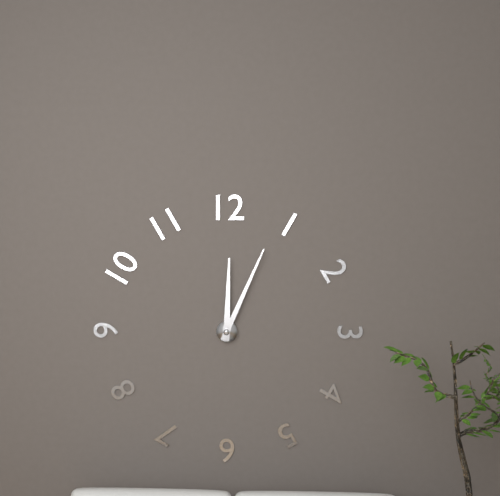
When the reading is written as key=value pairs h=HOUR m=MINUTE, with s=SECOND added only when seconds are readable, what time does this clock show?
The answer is h=12 m=4
